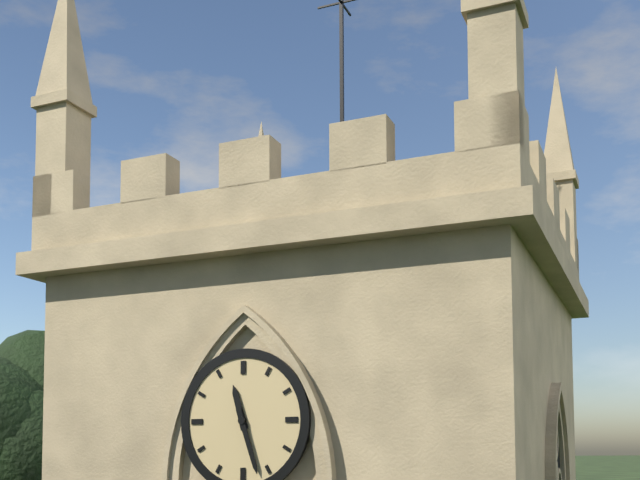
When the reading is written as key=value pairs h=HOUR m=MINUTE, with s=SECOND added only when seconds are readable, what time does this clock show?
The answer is h=11 m=27
